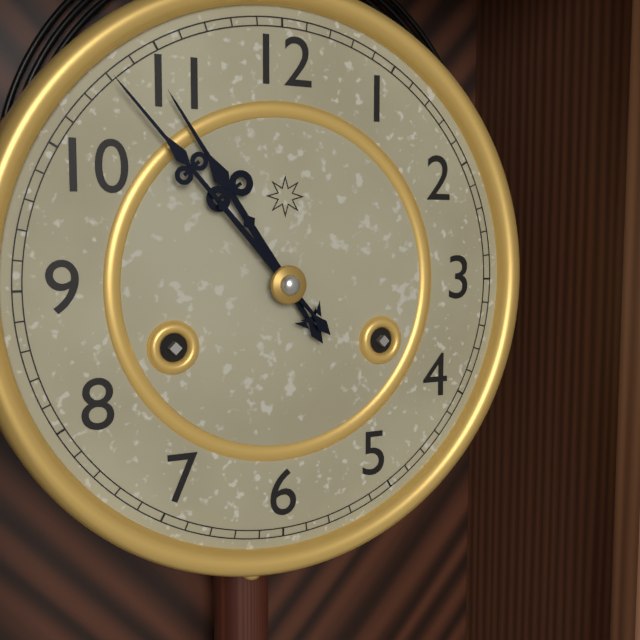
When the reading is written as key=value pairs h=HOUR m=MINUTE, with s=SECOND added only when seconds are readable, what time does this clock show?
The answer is h=10 m=53
